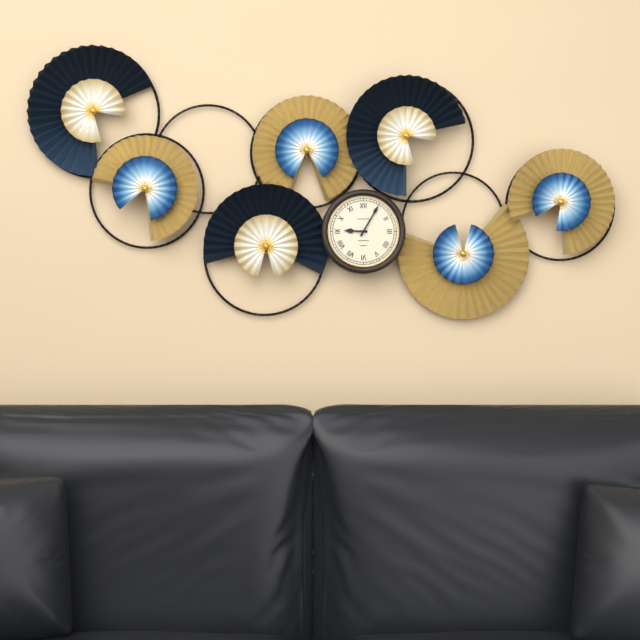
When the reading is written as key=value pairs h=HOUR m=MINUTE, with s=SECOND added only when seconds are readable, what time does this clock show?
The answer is h=9 m=5
